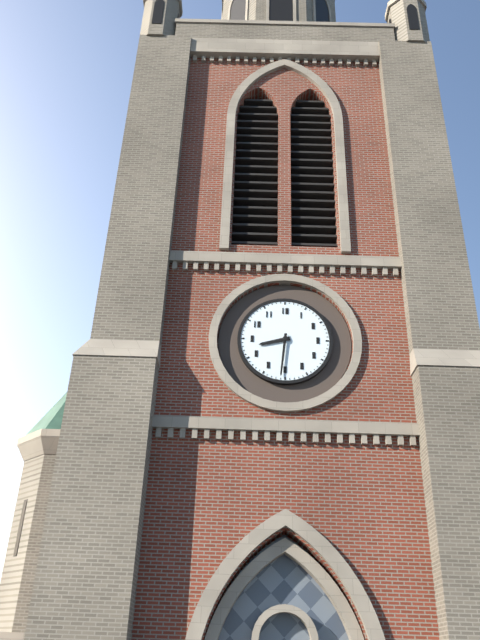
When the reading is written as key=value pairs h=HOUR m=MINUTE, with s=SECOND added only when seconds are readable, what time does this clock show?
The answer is h=8 m=31
